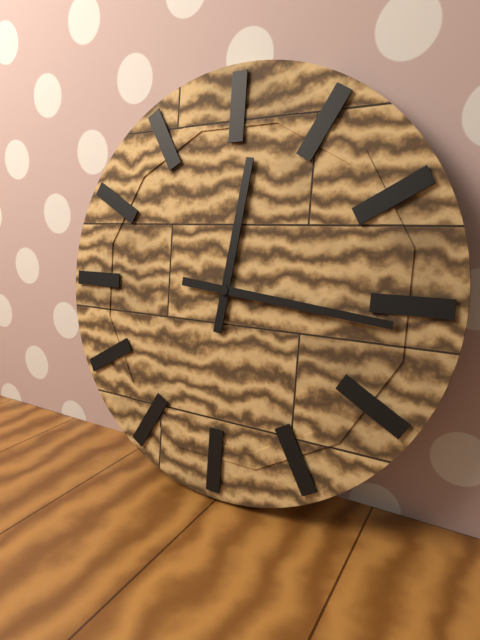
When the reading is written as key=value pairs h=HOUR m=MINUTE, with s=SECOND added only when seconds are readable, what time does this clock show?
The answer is h=12 m=16
